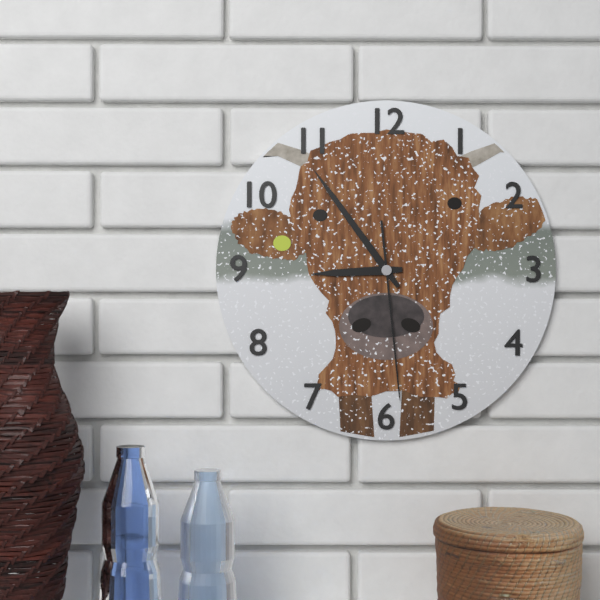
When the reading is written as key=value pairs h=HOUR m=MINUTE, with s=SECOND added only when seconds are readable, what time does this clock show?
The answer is h=8 m=54 s=29
